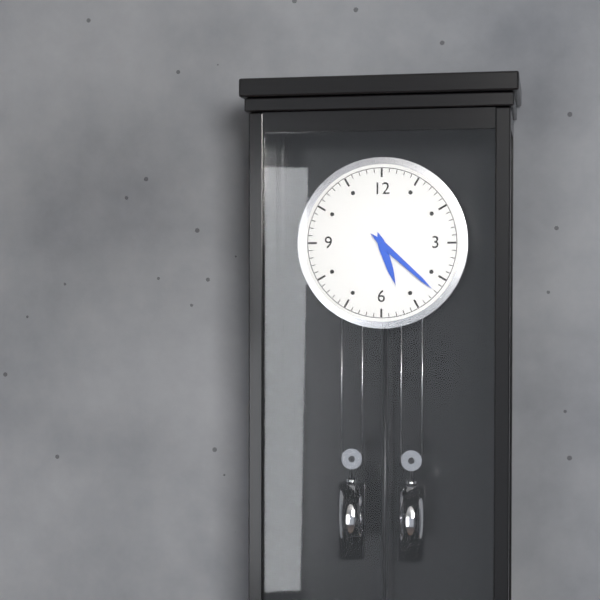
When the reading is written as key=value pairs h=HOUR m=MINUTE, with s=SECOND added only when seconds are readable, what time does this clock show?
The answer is h=5 m=22
